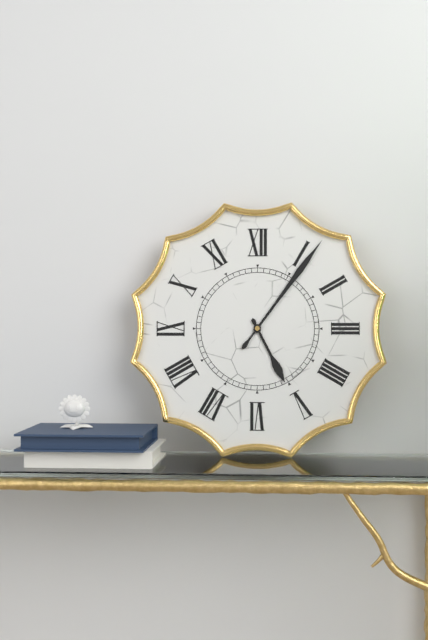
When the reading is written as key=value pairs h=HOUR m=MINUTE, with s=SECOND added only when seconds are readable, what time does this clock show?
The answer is h=5 m=6
